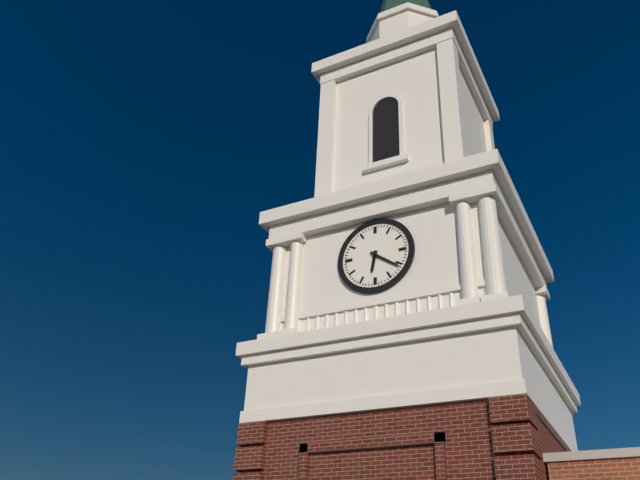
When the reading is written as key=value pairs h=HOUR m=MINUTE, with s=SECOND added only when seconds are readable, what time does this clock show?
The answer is h=6 m=21
